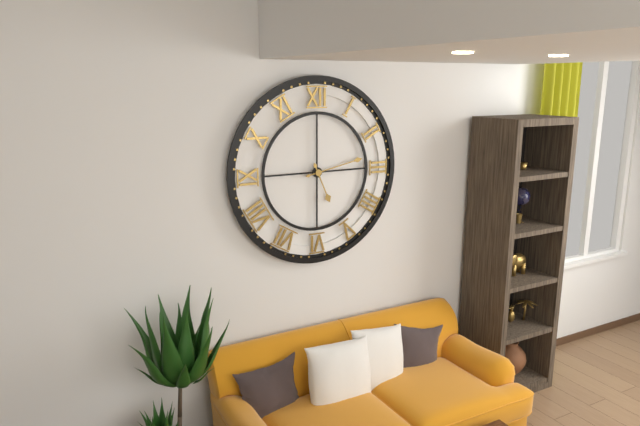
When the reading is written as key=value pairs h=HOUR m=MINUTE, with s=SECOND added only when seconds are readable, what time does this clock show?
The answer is h=5 m=13
